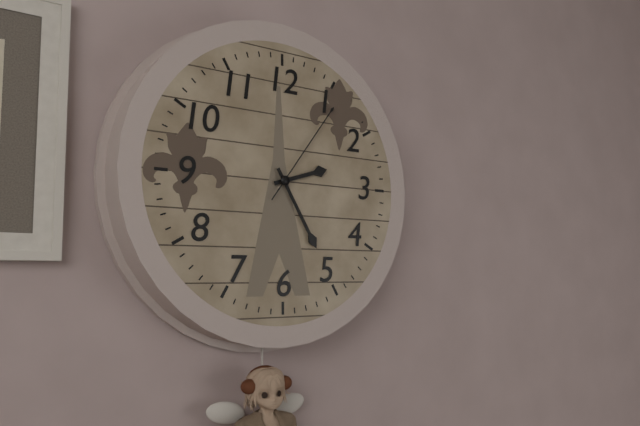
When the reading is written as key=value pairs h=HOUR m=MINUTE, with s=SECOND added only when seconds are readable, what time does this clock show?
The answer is h=2 m=25 s=6
